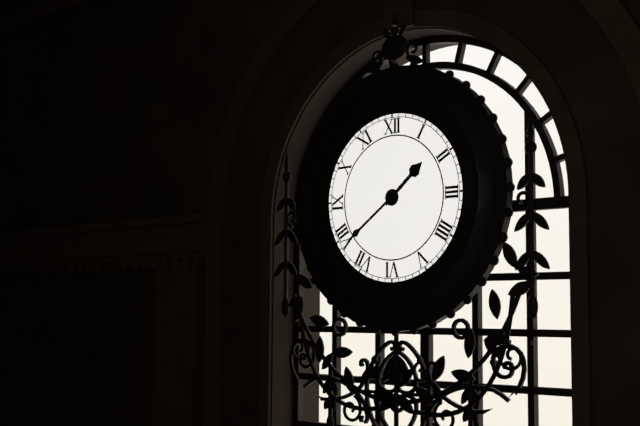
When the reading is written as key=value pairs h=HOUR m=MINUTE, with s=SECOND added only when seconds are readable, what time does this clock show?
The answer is h=1 m=39
